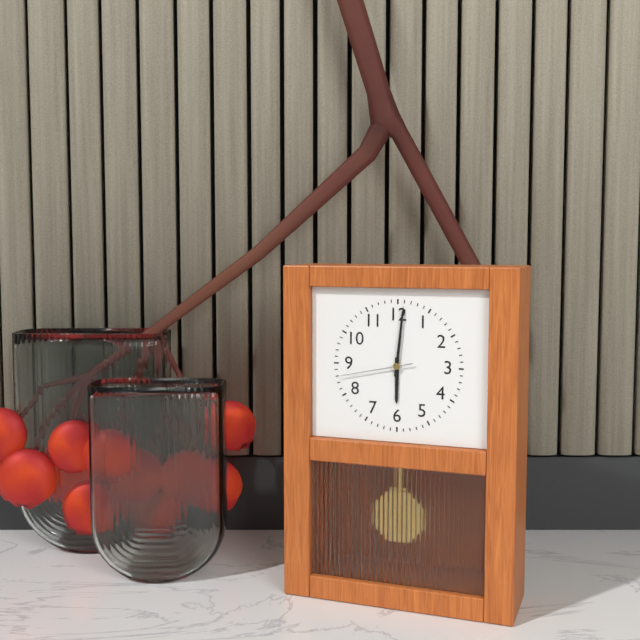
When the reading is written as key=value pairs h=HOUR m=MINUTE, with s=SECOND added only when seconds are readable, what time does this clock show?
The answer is h=6 m=1 s=43
